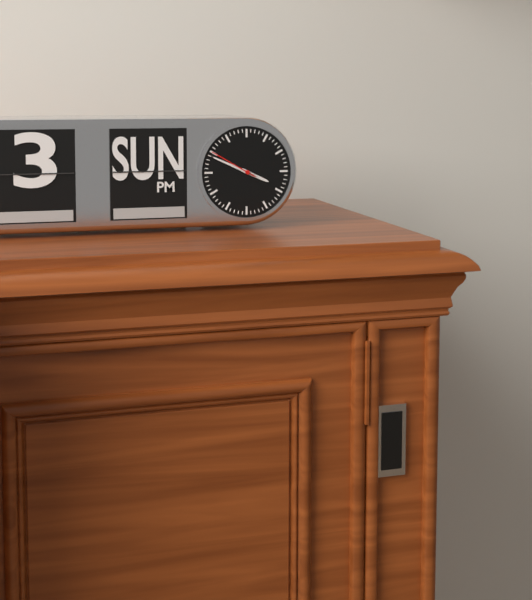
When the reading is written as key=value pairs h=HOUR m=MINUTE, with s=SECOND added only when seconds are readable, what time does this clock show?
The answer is h=3 m=49
